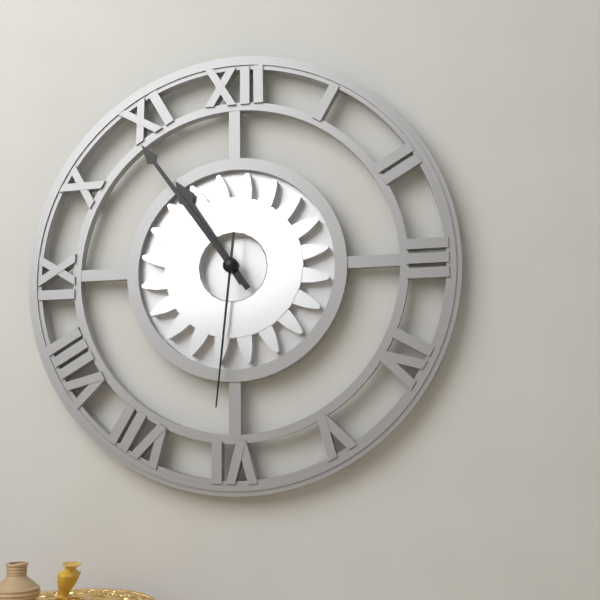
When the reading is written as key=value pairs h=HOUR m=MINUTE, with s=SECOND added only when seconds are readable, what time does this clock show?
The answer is h=10 m=54 s=31
